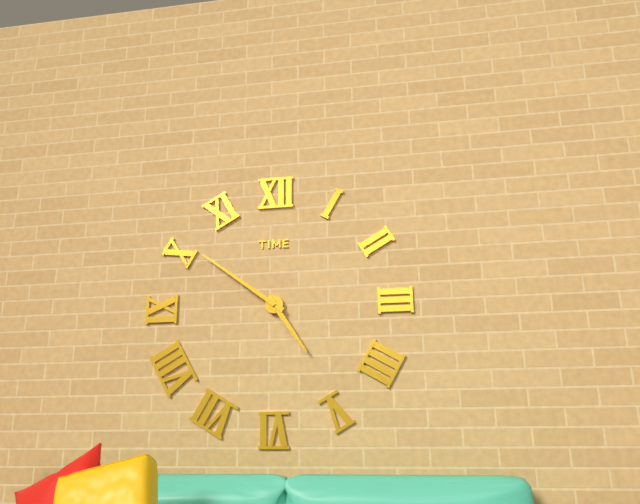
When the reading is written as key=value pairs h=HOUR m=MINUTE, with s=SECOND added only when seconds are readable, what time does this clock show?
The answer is h=4 m=51
